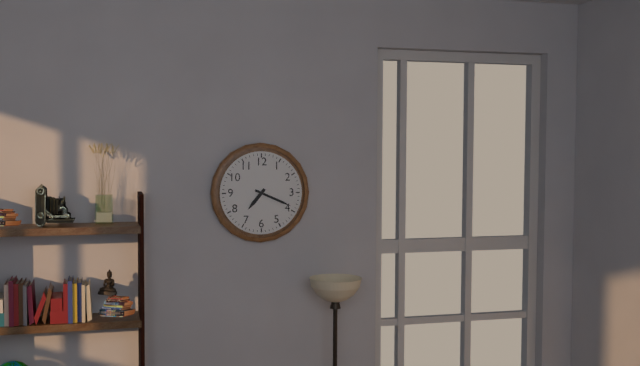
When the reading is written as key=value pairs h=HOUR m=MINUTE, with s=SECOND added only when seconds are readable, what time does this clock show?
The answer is h=7 m=19
